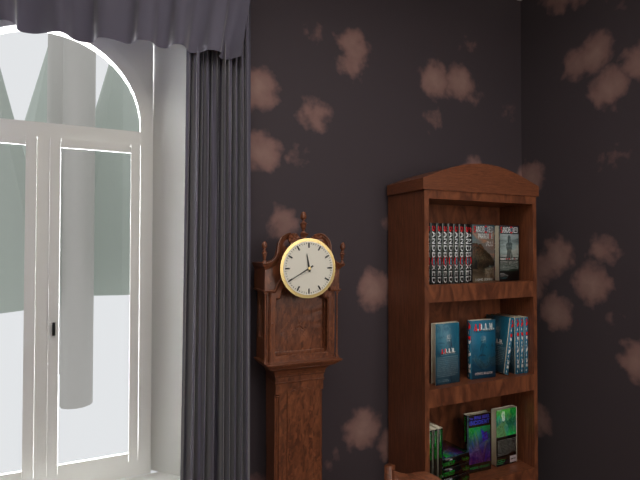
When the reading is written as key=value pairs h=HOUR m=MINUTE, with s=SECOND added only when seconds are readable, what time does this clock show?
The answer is h=11 m=40
